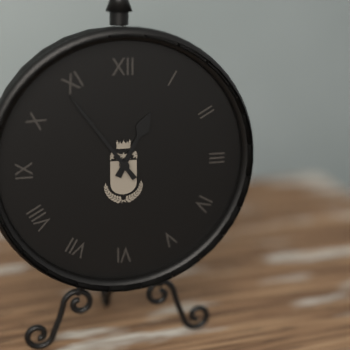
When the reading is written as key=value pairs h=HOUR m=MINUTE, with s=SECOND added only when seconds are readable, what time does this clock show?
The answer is h=12 m=54
